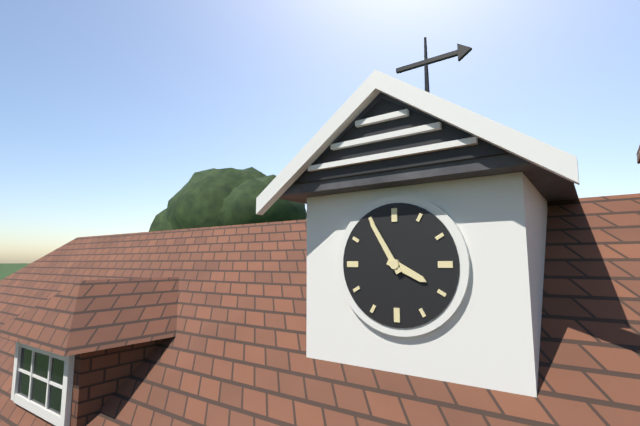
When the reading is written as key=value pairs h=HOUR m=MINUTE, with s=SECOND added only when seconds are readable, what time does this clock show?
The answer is h=3 m=55
